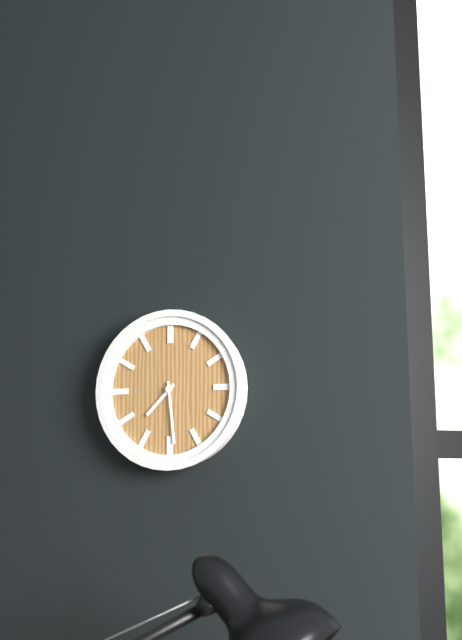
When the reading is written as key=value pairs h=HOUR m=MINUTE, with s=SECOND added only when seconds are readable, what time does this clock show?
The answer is h=7 m=29
